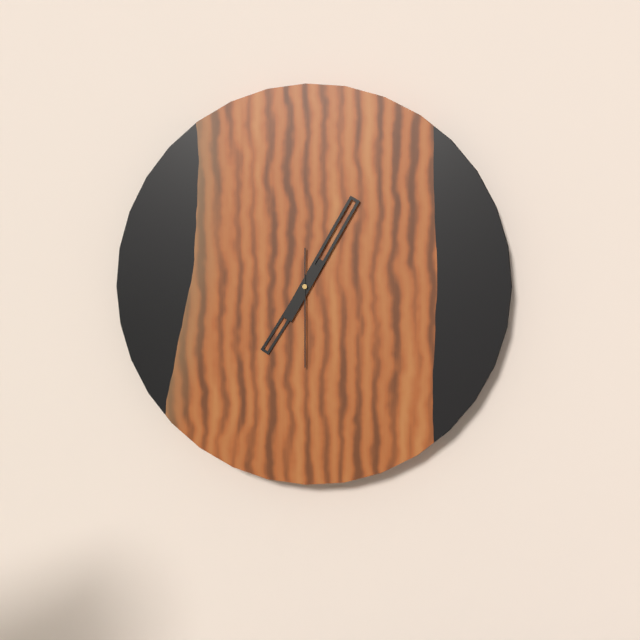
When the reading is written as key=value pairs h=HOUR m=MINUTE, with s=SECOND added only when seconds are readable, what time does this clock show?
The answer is h=7 m=5 s=30
